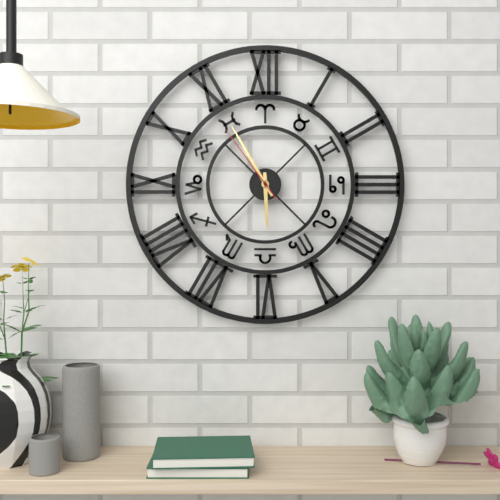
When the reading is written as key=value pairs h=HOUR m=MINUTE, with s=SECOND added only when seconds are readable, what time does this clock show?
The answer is h=5 m=55 s=54
